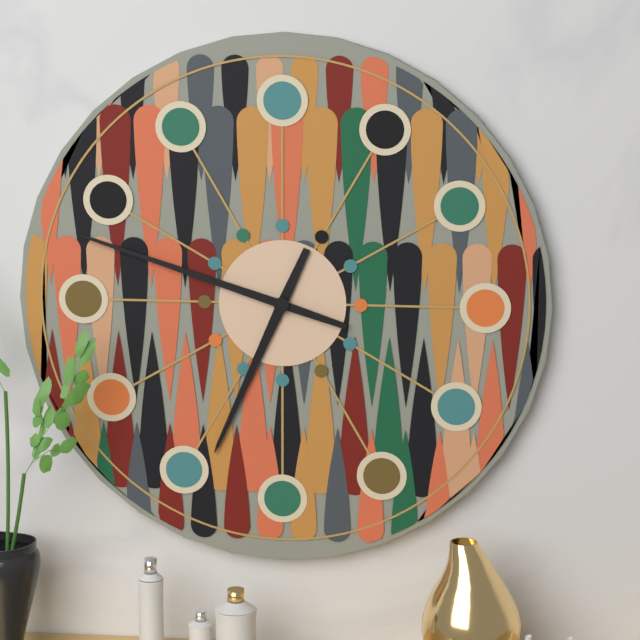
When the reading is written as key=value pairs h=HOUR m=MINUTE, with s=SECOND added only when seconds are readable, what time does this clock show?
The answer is h=6 m=48
